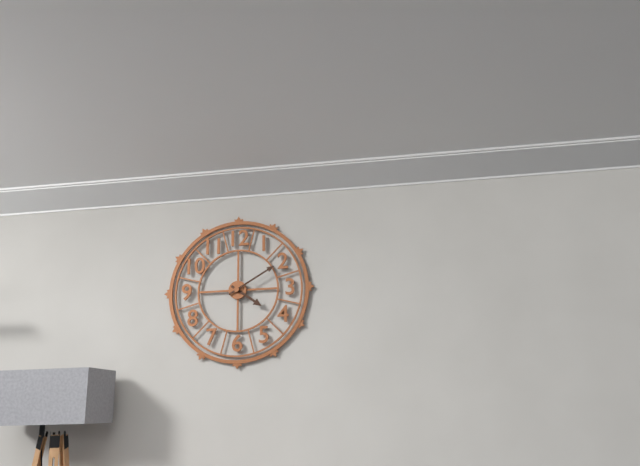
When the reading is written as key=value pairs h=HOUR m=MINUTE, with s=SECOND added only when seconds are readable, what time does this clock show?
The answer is h=4 m=10
